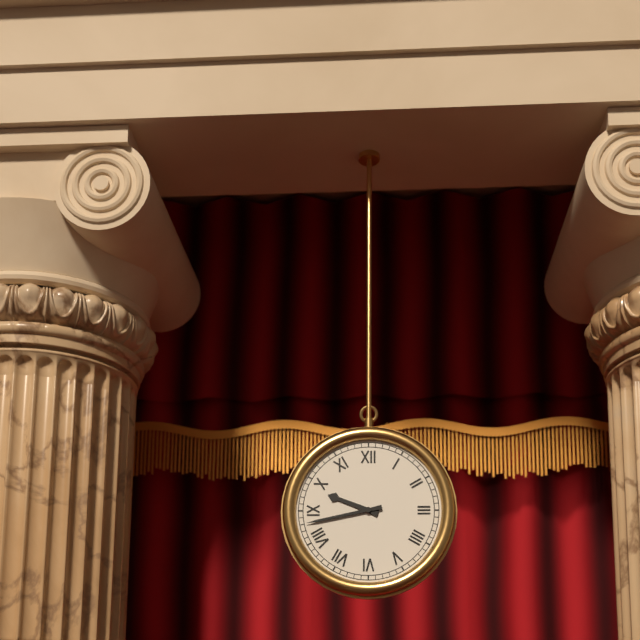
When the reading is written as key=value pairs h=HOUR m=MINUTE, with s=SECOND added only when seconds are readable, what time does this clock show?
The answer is h=9 m=43
